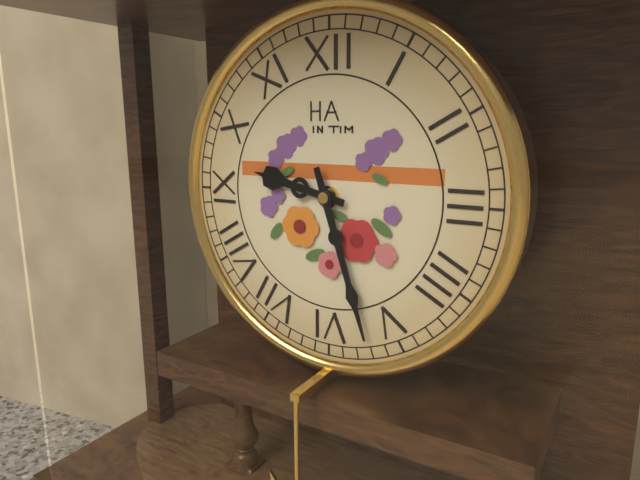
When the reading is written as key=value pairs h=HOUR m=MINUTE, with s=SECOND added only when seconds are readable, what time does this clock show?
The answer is h=9 m=27
